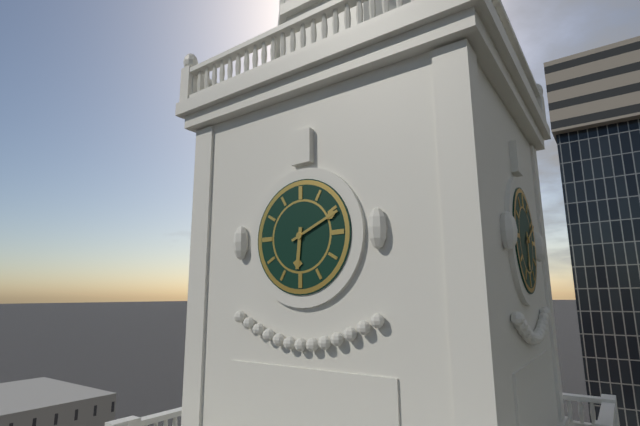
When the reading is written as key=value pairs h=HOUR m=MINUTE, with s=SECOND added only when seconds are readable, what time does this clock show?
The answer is h=6 m=11
